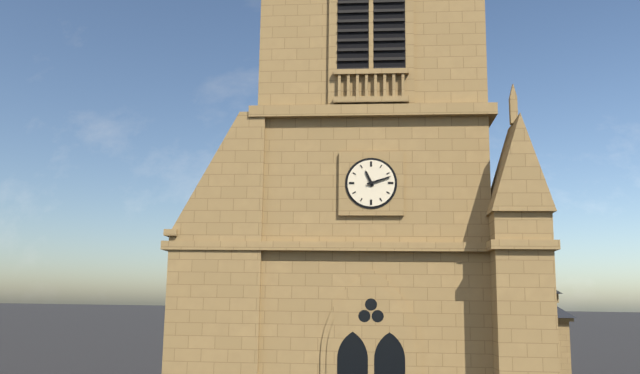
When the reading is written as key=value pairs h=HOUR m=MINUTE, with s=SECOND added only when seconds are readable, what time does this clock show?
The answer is h=11 m=12
